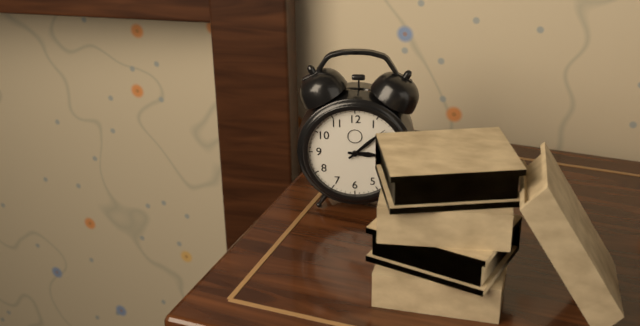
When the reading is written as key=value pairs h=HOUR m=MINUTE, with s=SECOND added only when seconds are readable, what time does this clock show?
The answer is h=3 m=8
